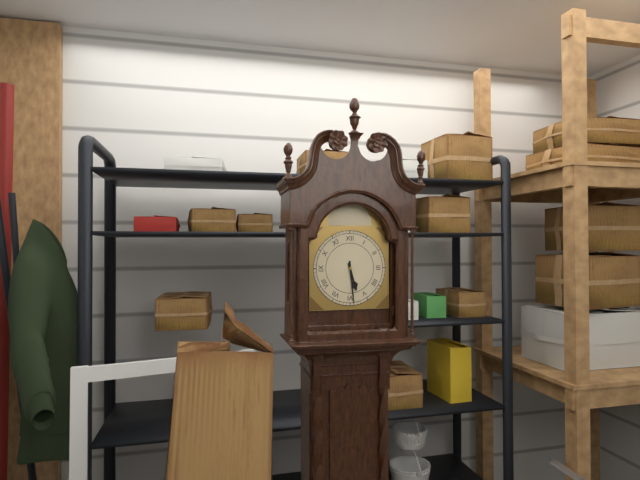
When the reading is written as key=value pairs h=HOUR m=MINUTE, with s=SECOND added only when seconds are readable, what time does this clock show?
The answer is h=5 m=29
